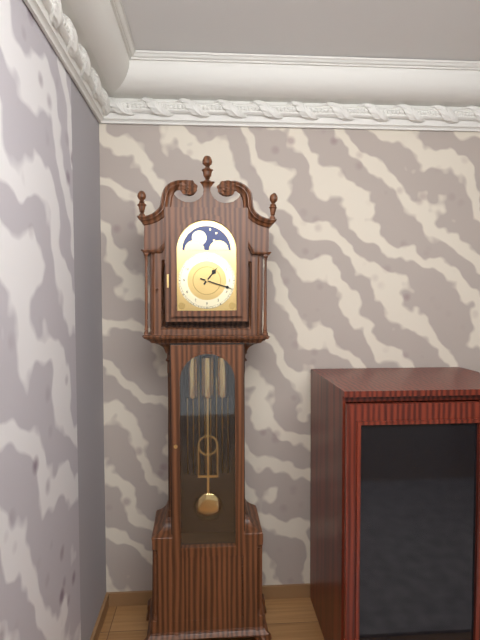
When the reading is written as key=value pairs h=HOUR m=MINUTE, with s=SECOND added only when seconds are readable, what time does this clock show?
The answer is h=1 m=18
